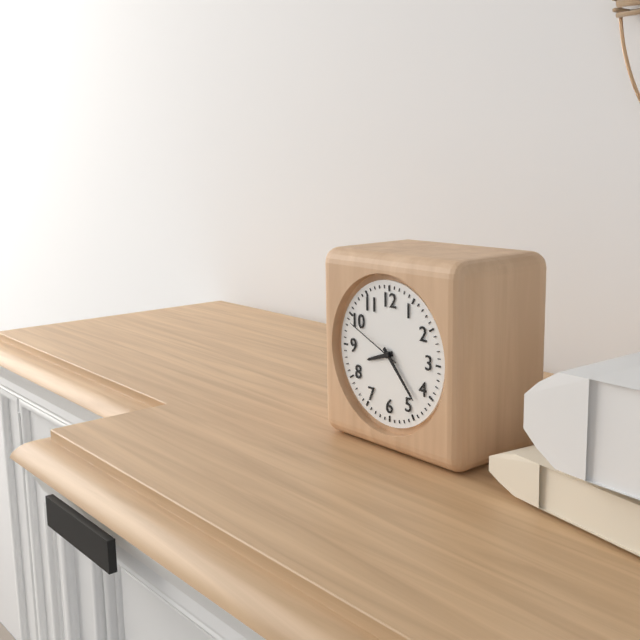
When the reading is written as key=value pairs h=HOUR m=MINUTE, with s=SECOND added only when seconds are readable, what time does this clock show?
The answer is h=8 m=23 s=49
